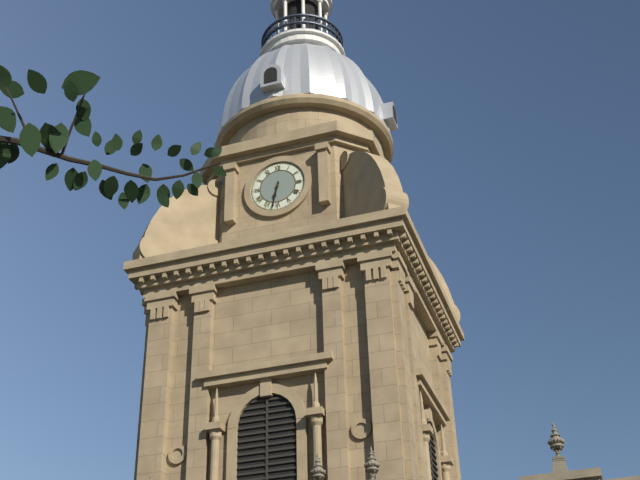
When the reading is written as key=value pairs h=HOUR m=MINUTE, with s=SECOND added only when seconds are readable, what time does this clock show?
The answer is h=6 m=32
